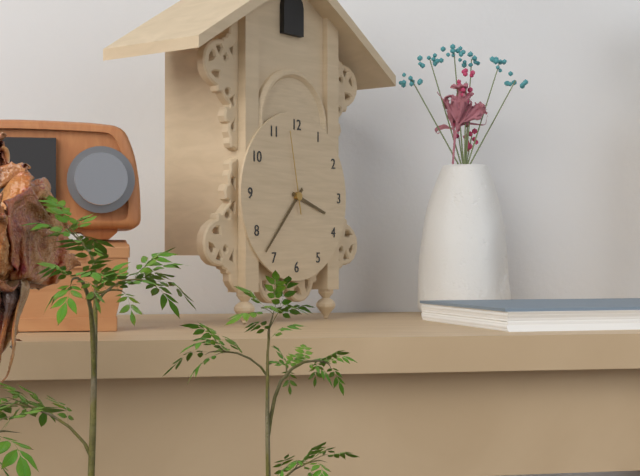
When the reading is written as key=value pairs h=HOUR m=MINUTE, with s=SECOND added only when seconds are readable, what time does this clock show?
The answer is h=3 m=37 s=58
